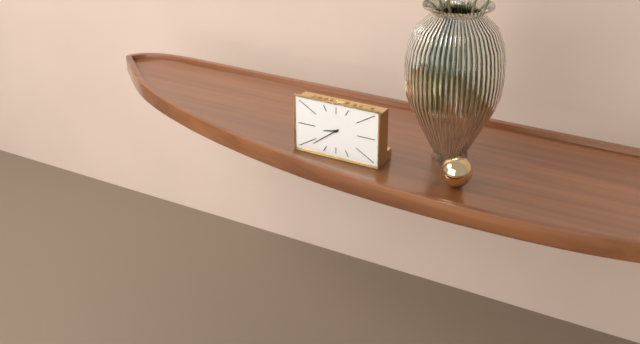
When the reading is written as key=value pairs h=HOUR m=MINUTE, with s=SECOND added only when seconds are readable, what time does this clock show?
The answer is h=8 m=39
